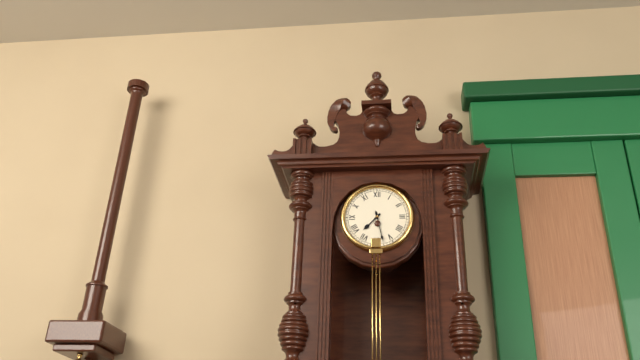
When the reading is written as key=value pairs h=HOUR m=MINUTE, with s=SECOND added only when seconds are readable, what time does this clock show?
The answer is h=7 m=28
